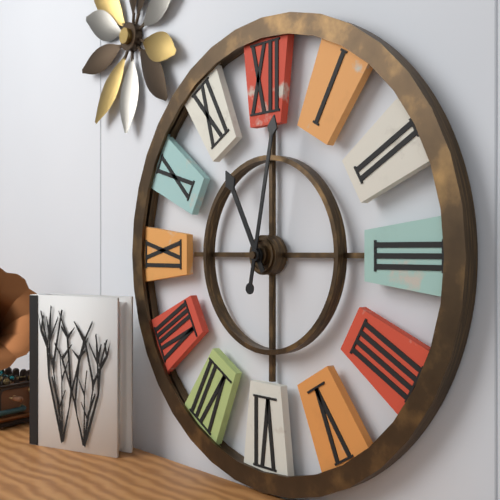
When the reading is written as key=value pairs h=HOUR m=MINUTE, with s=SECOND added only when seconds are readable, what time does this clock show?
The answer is h=11 m=2
